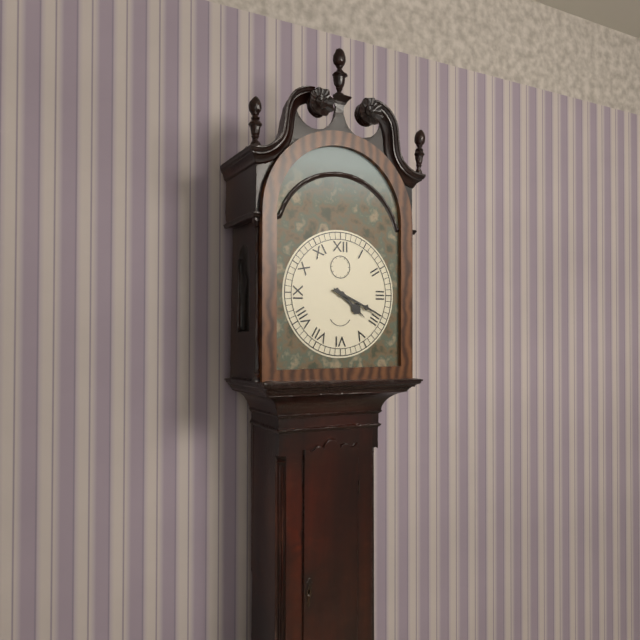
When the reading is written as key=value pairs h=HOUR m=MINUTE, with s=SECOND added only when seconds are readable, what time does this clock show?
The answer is h=4 m=19
